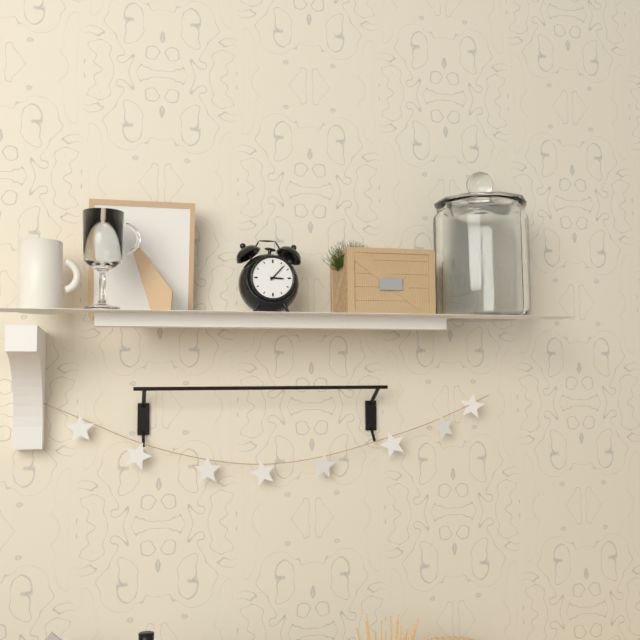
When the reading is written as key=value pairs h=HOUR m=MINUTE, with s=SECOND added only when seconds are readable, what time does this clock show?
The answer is h=3 m=7
